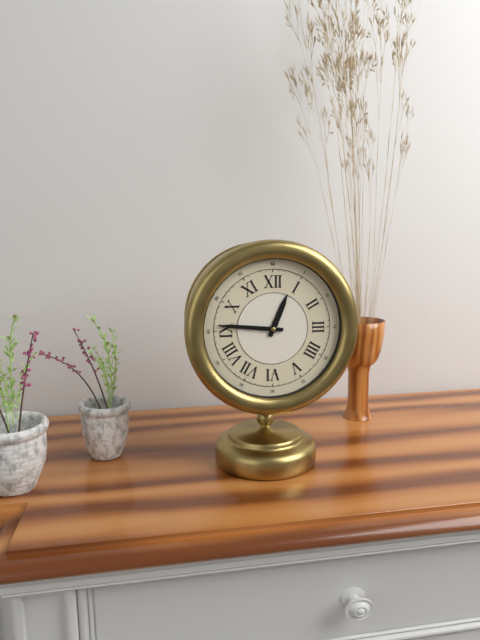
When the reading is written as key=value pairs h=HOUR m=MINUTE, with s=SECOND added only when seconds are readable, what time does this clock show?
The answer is h=12 m=46
